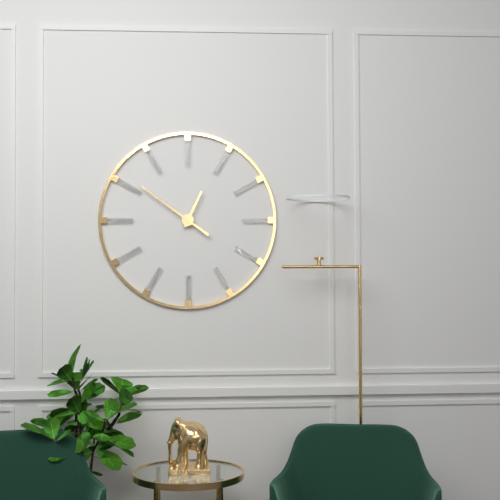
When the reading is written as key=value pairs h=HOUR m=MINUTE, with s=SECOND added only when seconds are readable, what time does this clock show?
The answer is h=12 m=51
